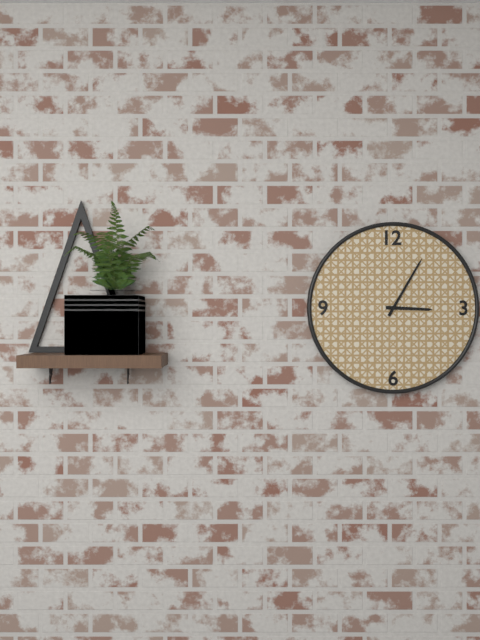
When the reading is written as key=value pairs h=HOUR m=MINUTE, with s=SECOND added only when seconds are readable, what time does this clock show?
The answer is h=3 m=5
